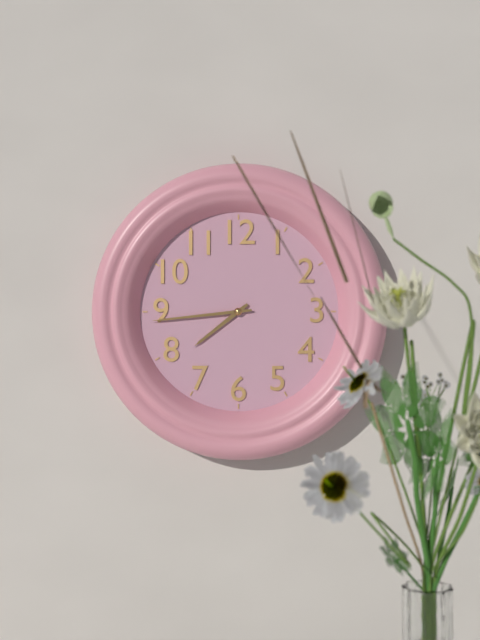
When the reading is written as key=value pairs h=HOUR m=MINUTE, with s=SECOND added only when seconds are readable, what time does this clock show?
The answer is h=7 m=44
